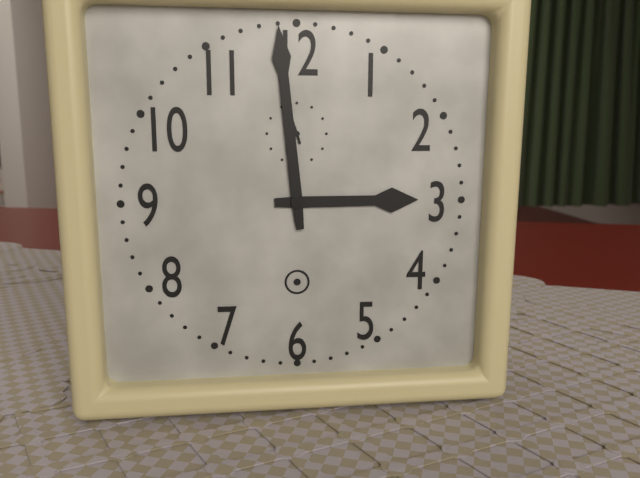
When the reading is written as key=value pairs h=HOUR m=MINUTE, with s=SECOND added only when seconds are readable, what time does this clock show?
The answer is h=2 m=59
